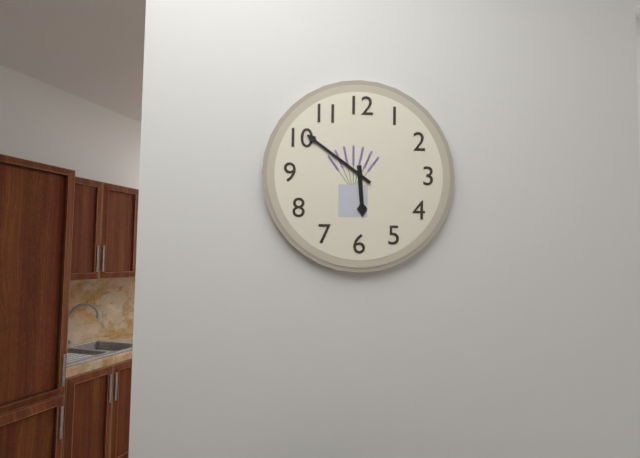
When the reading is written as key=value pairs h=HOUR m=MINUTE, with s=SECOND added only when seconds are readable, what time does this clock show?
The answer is h=5 m=51
